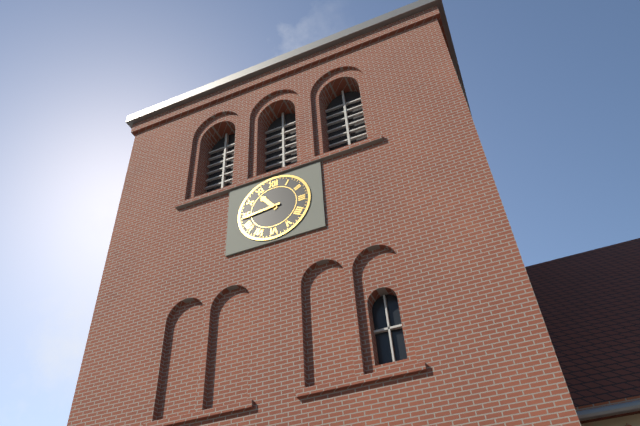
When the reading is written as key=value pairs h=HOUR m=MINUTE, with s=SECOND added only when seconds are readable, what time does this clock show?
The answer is h=10 m=44
